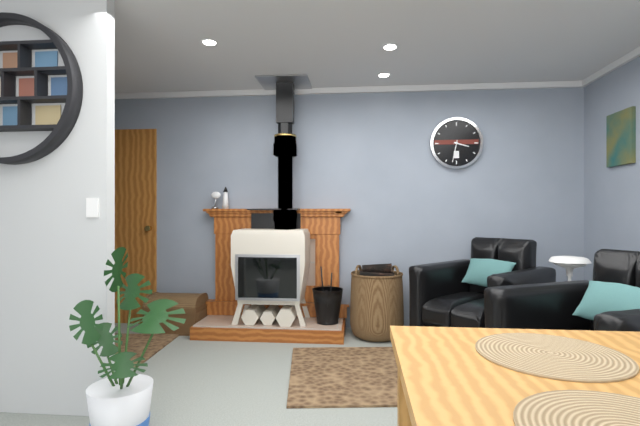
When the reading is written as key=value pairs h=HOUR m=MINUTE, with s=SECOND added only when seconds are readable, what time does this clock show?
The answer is h=3 m=32
